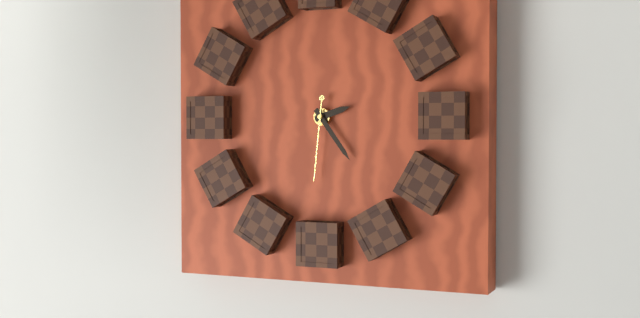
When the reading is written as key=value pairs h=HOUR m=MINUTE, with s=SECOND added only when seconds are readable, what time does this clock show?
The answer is h=2 m=24 s=31
